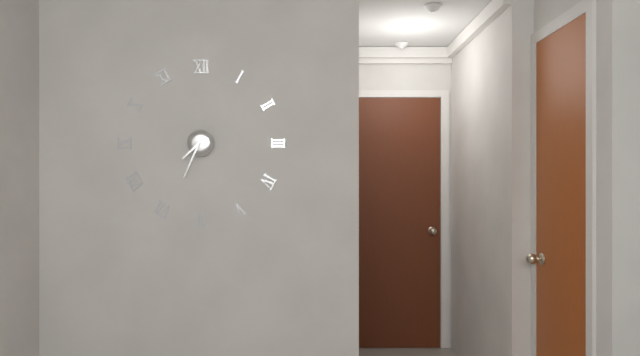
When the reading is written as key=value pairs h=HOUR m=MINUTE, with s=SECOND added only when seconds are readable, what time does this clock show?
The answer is h=7 m=34
